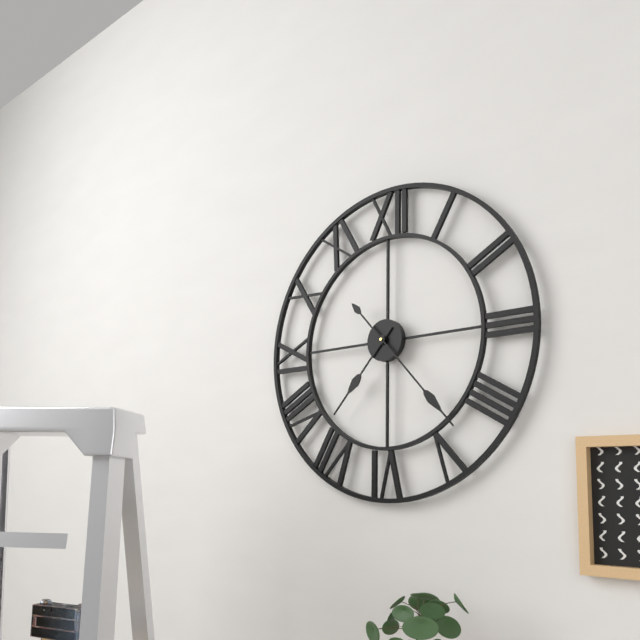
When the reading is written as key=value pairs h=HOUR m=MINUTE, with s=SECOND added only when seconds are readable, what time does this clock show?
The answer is h=7 m=23
